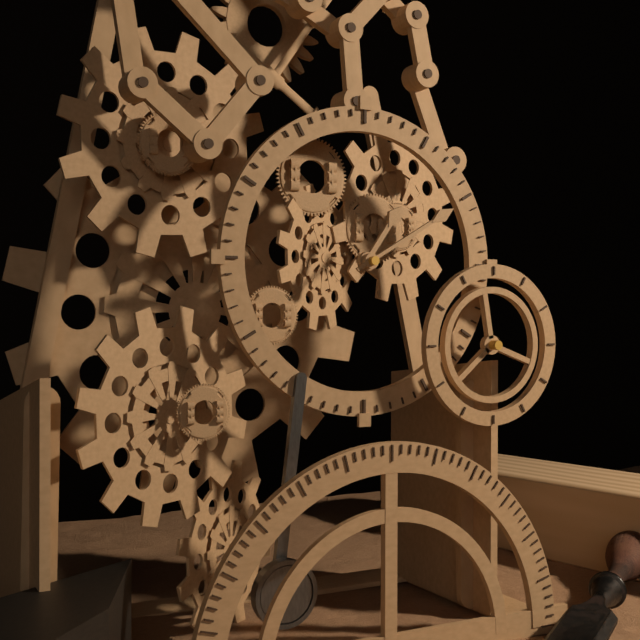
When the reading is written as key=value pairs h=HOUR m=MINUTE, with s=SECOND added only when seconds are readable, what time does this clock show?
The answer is h=1 m=10
